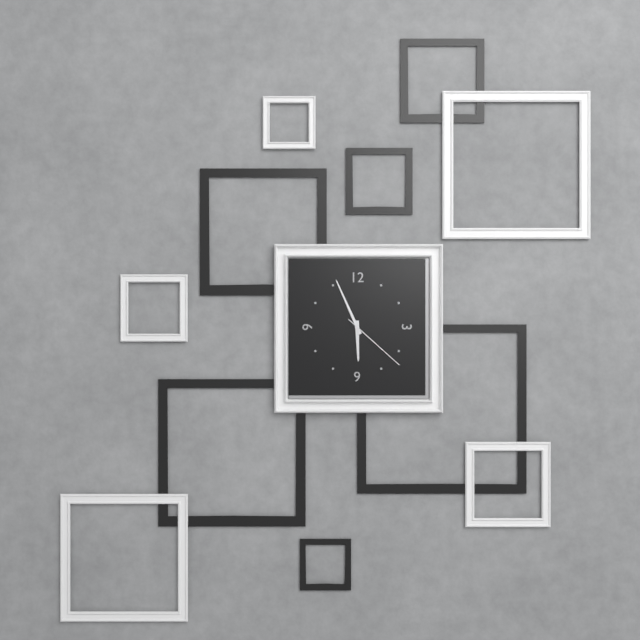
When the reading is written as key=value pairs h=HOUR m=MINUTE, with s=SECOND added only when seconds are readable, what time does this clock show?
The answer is h=5 m=56 s=22
